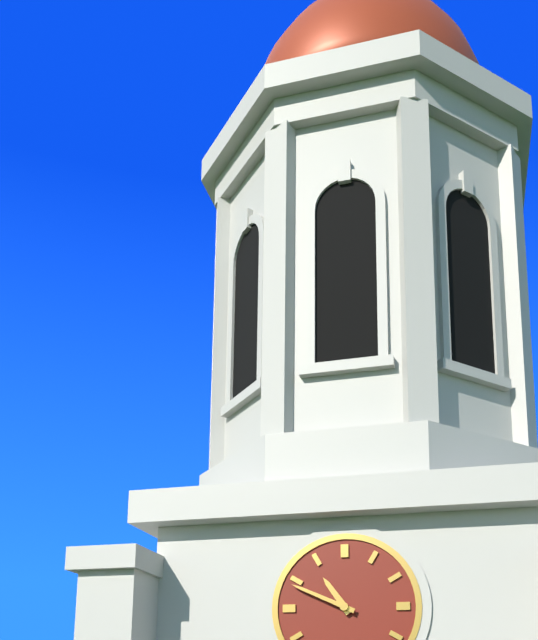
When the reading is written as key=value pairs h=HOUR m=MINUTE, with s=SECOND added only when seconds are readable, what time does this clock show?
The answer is h=10 m=49
